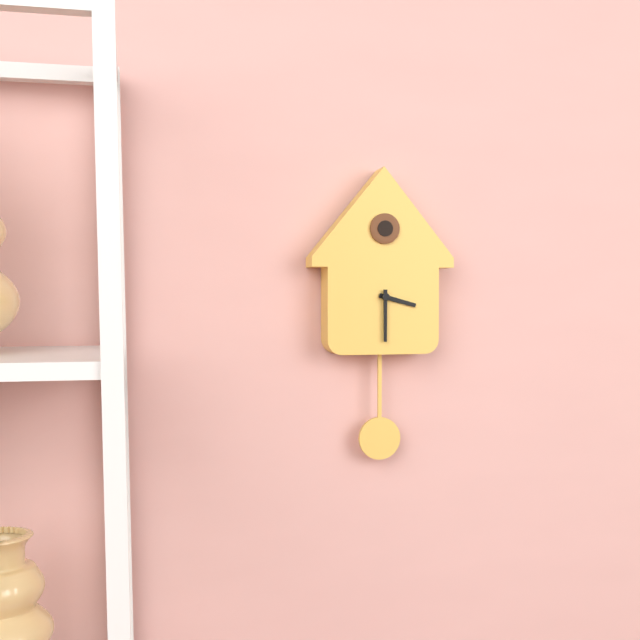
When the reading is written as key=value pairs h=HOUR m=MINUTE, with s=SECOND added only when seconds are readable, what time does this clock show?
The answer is h=3 m=30
